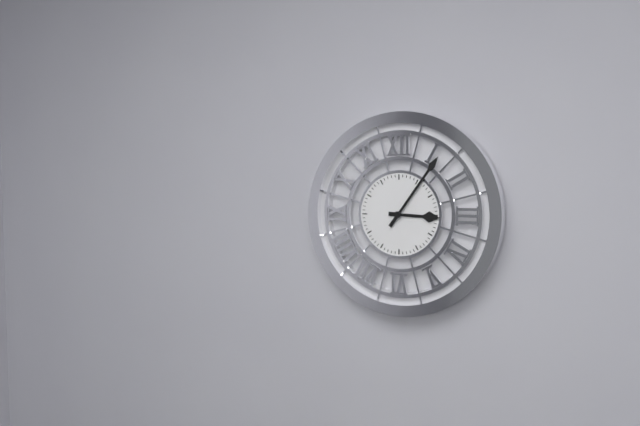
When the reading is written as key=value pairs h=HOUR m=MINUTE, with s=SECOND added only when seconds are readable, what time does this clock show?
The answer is h=3 m=6
